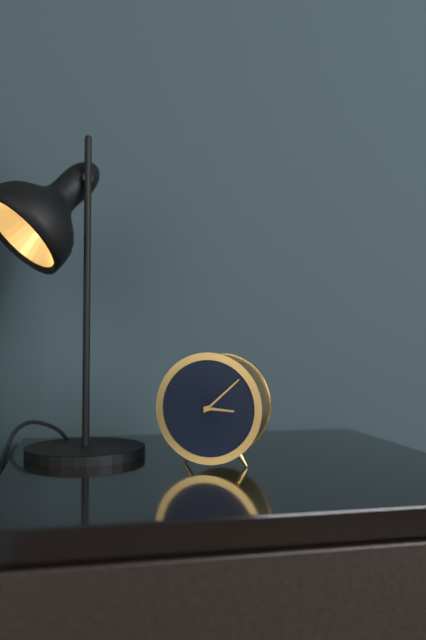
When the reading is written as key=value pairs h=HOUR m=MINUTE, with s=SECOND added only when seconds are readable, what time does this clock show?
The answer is h=3 m=8
